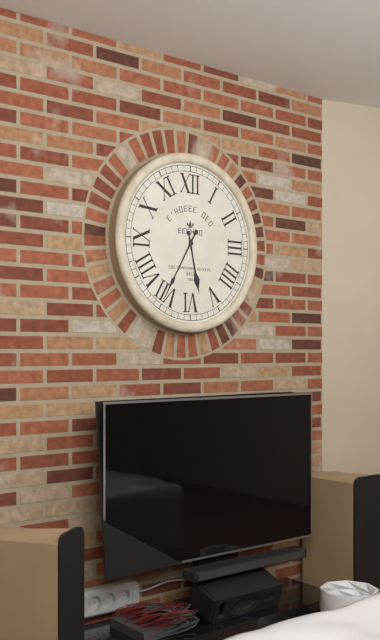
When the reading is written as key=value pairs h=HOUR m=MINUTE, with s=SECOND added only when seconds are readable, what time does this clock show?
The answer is h=5 m=35
